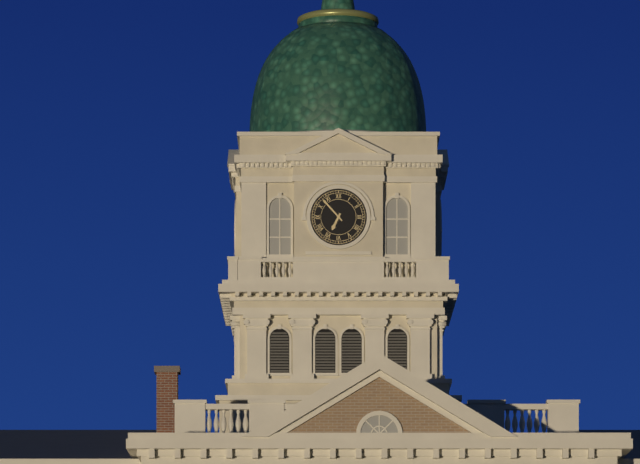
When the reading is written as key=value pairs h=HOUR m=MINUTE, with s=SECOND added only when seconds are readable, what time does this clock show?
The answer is h=6 m=53
